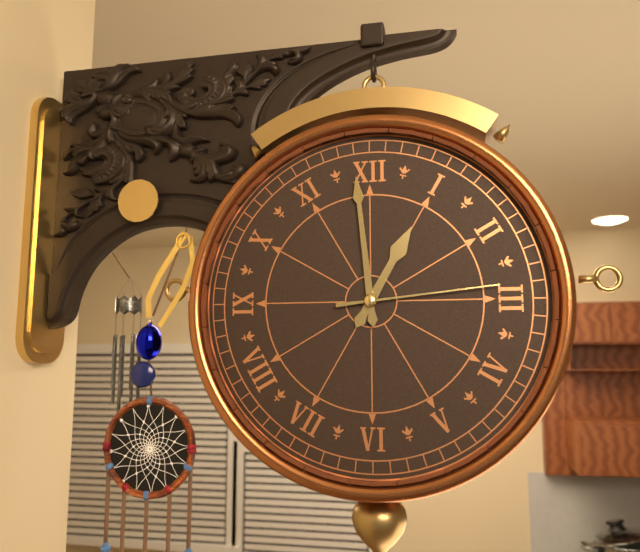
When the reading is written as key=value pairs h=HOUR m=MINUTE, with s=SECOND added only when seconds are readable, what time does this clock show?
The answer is h=12 m=59 s=14
